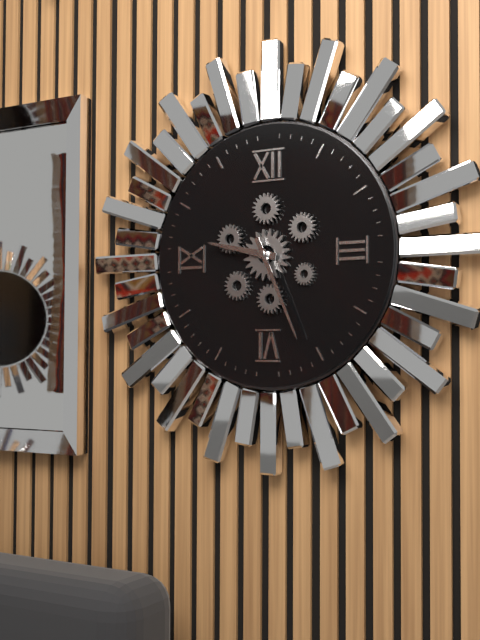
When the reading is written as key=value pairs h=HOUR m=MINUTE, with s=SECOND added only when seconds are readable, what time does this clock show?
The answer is h=9 m=26
